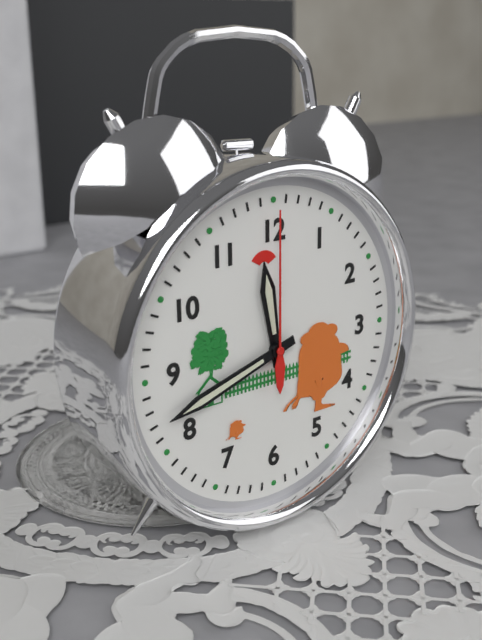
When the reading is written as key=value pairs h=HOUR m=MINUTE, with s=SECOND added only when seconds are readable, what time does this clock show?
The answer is h=11 m=42 s=0
